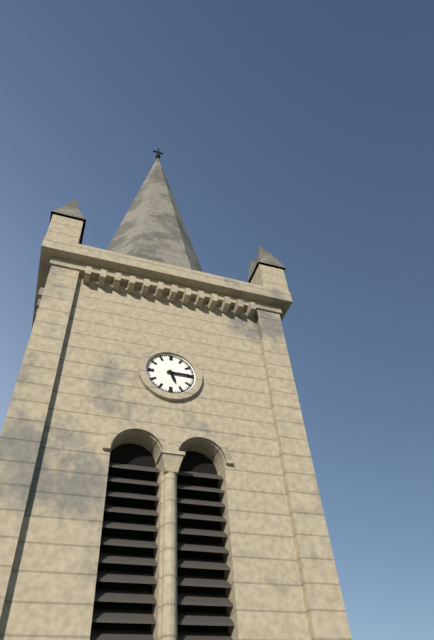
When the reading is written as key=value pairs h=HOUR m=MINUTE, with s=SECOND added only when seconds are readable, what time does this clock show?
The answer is h=5 m=15
